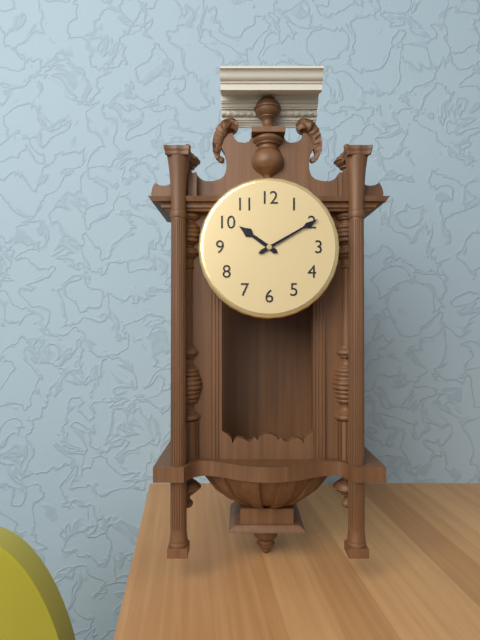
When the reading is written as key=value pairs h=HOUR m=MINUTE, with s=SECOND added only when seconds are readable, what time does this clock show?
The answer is h=10 m=10
